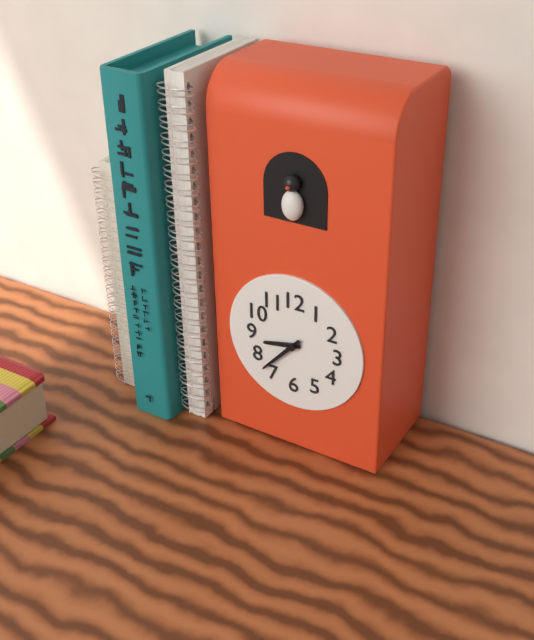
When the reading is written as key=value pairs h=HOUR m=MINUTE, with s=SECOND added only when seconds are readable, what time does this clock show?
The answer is h=8 m=37
